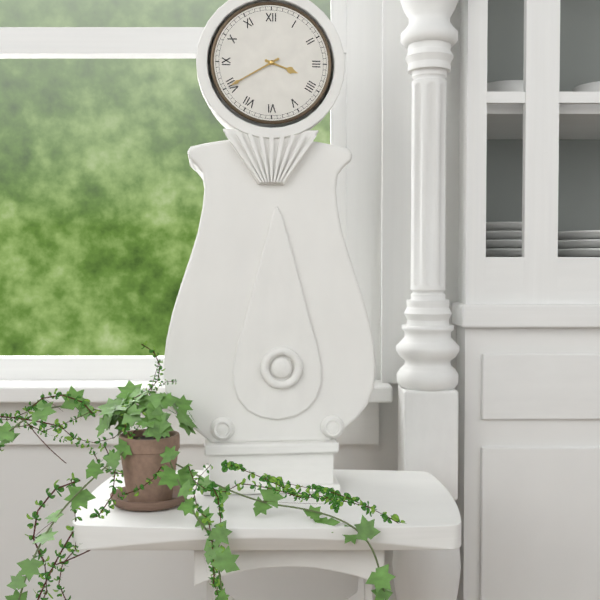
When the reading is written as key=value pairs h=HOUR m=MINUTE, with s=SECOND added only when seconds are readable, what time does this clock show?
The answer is h=3 m=40
